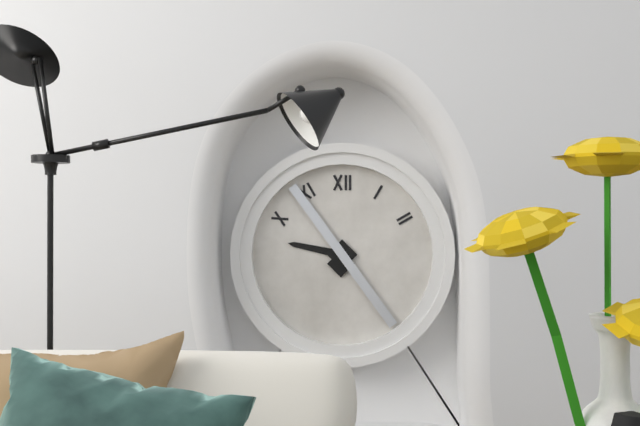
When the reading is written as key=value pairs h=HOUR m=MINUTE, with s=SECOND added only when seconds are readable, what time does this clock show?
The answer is h=9 m=24
